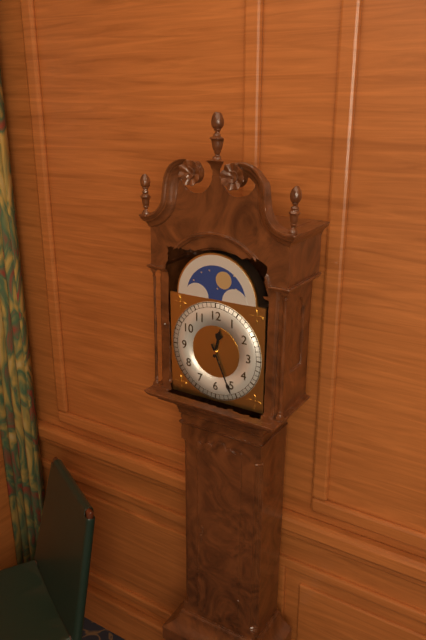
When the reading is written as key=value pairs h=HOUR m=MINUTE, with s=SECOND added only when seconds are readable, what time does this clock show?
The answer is h=12 m=26
